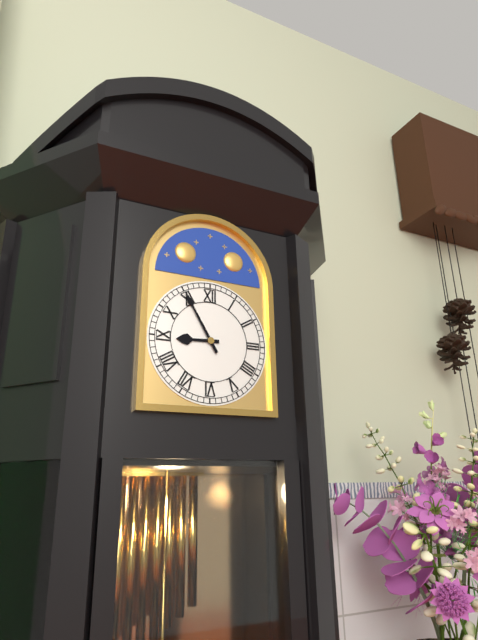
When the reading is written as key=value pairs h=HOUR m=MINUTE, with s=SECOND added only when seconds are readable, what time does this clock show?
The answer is h=8 m=55
